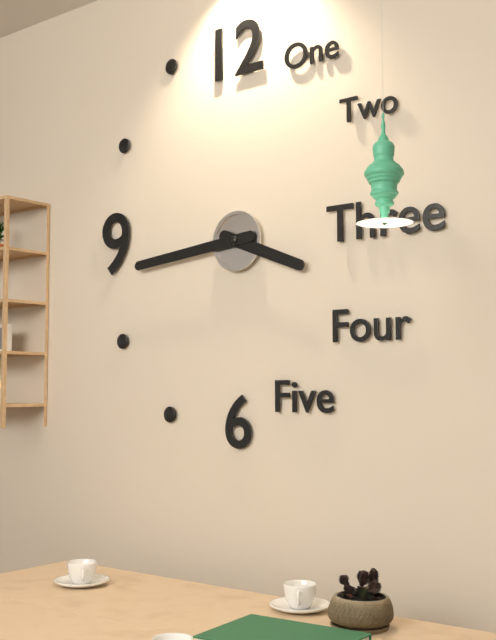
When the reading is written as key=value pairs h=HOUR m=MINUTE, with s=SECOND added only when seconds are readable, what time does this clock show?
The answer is h=3 m=44
